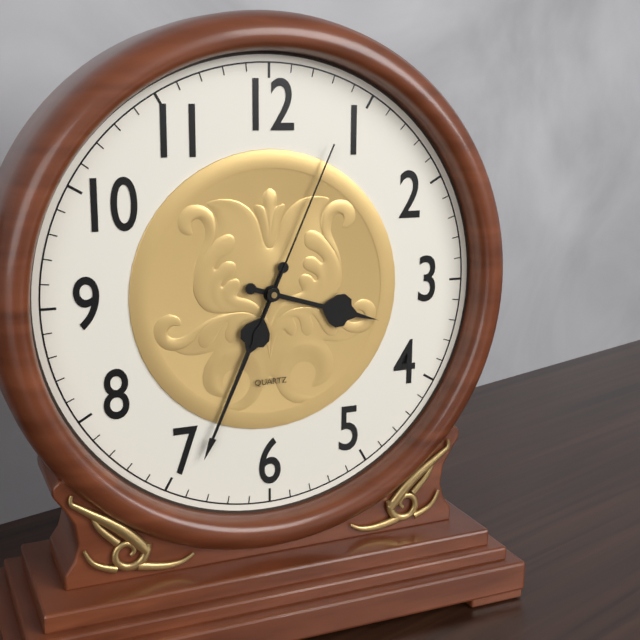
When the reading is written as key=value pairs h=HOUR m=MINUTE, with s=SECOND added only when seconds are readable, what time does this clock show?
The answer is h=3 m=34 s=4
